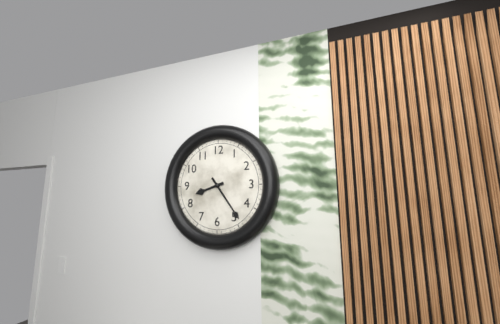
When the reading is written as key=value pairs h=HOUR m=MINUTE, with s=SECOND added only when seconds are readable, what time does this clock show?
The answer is h=8 m=24
